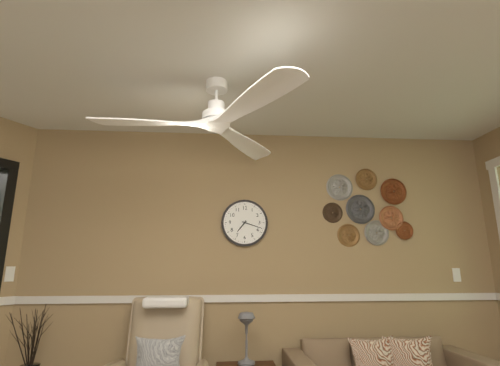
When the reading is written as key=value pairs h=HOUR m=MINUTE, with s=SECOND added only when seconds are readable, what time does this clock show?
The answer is h=7 m=18
